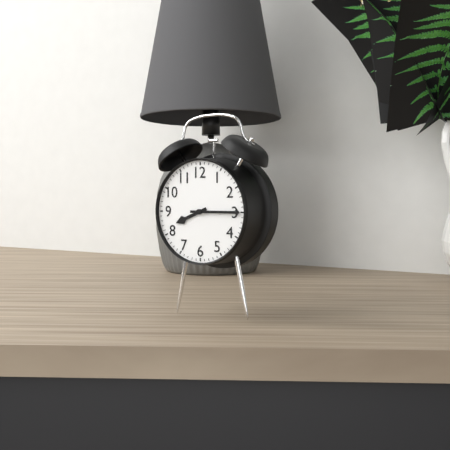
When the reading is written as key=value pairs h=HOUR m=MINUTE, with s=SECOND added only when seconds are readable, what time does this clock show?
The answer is h=8 m=15
